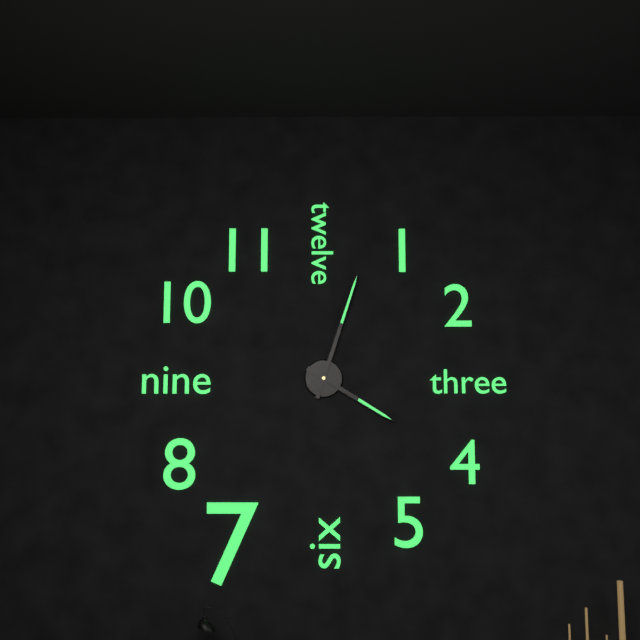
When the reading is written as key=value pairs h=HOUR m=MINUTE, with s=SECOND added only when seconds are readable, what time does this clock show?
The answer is h=4 m=3
